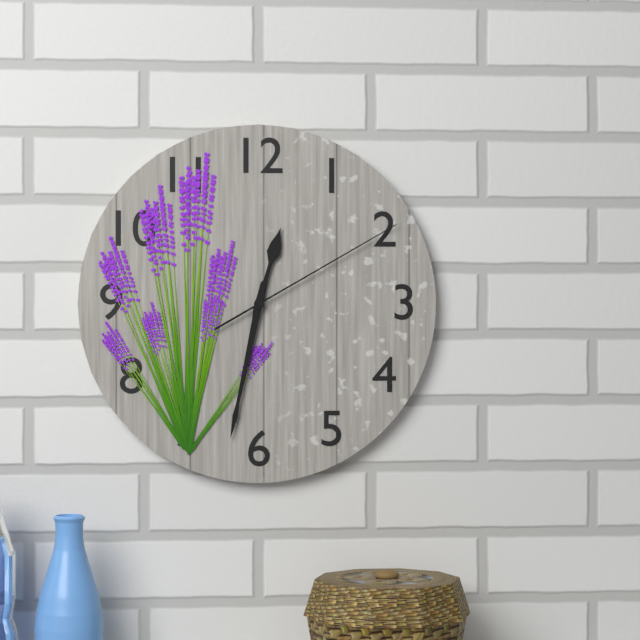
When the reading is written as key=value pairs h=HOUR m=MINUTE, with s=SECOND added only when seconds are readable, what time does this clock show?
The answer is h=12 m=32 s=10
